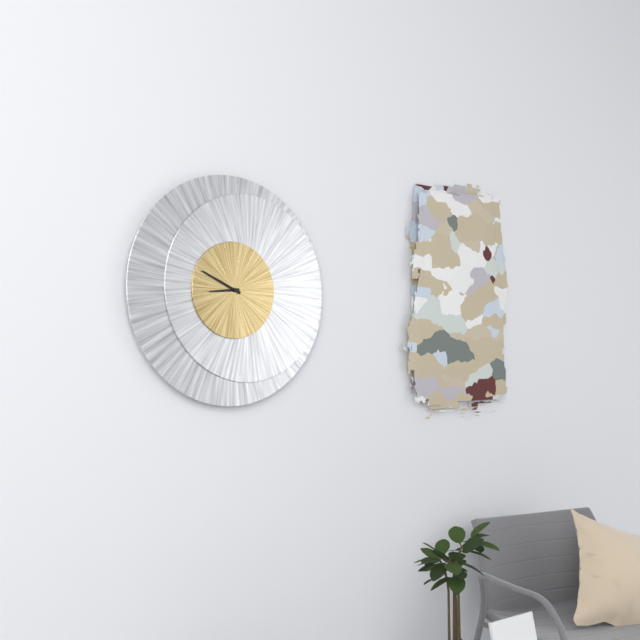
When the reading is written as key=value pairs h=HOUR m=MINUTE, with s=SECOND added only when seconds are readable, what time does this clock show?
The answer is h=8 m=49
